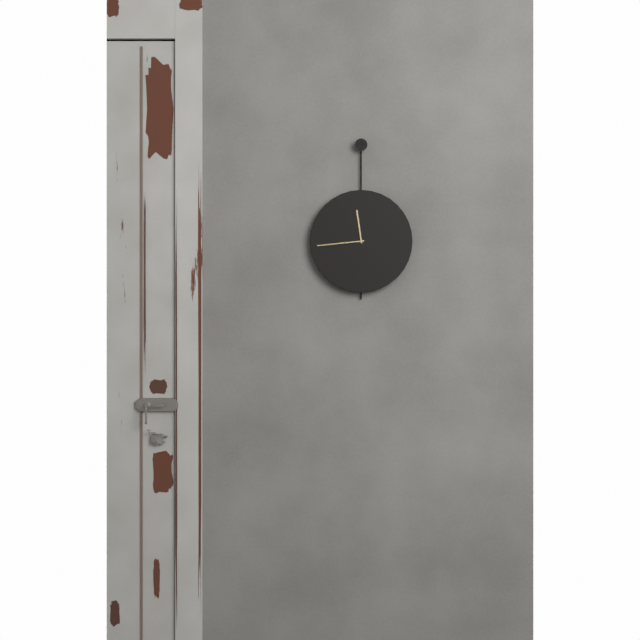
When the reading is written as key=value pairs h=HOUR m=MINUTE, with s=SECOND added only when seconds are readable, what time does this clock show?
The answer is h=11 m=44
